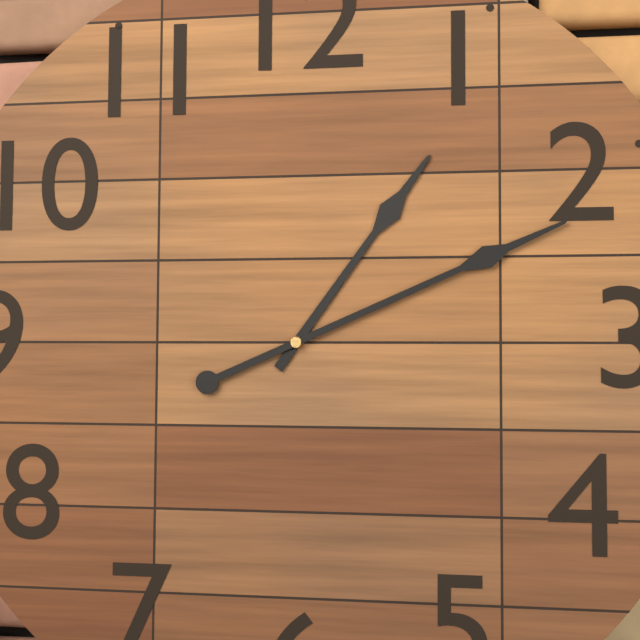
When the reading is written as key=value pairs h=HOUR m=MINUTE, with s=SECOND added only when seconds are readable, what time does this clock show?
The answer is h=1 m=11
